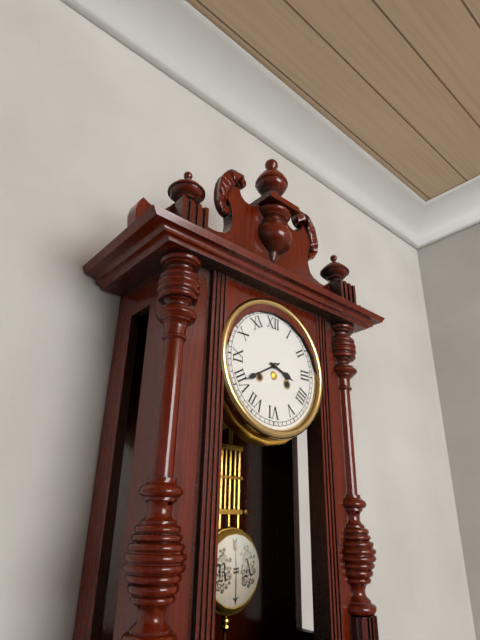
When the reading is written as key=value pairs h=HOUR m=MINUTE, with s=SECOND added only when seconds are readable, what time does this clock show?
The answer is h=3 m=40
